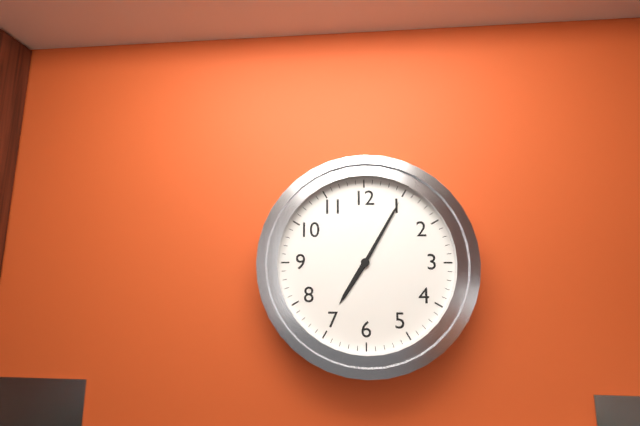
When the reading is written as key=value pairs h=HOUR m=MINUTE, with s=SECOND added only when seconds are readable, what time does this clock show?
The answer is h=7 m=5
